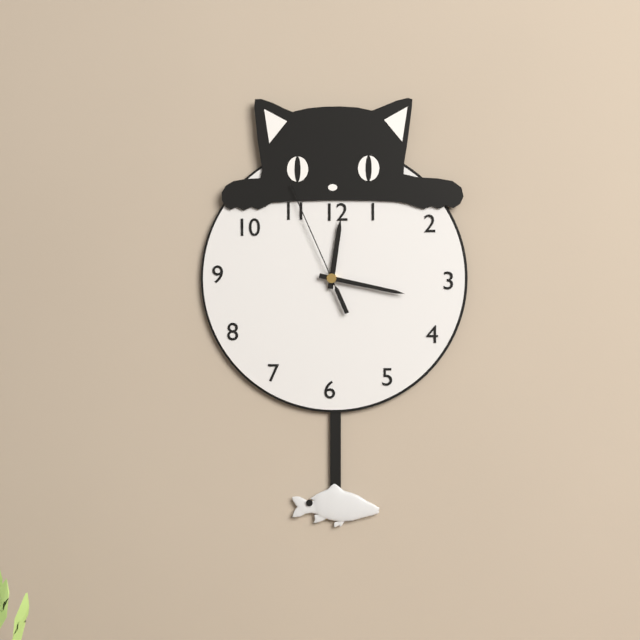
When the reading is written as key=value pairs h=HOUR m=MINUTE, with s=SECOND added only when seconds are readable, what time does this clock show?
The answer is h=12 m=17 s=56
